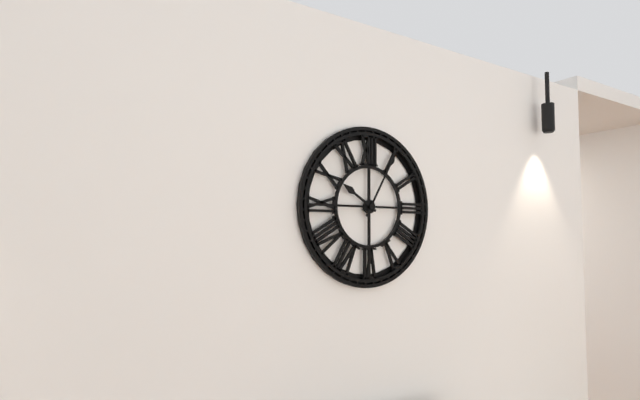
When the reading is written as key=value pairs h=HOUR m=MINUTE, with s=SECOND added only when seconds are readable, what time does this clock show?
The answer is h=10 m=5
